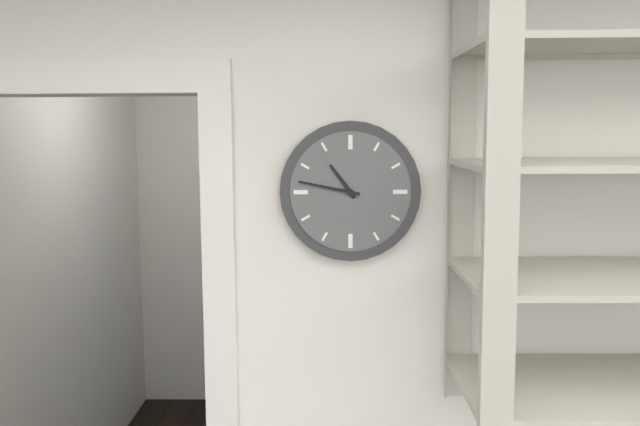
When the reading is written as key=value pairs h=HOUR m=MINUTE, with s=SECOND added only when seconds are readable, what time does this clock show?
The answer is h=10 m=47
